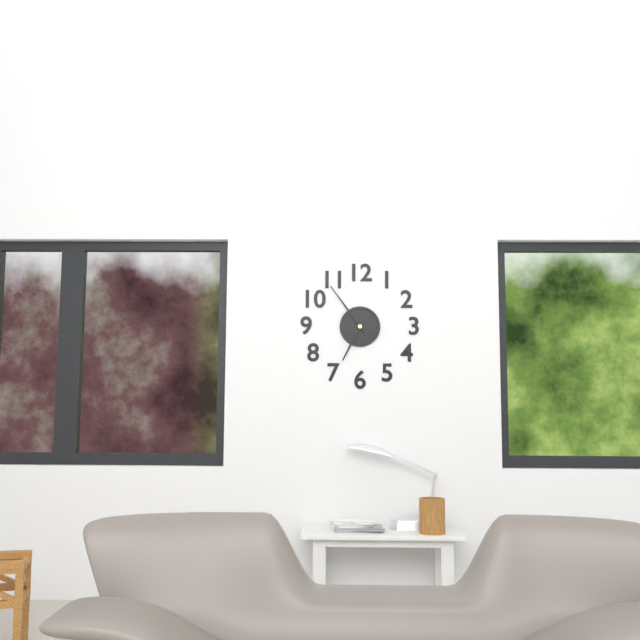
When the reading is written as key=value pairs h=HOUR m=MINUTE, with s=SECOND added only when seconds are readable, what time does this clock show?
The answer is h=6 m=54
